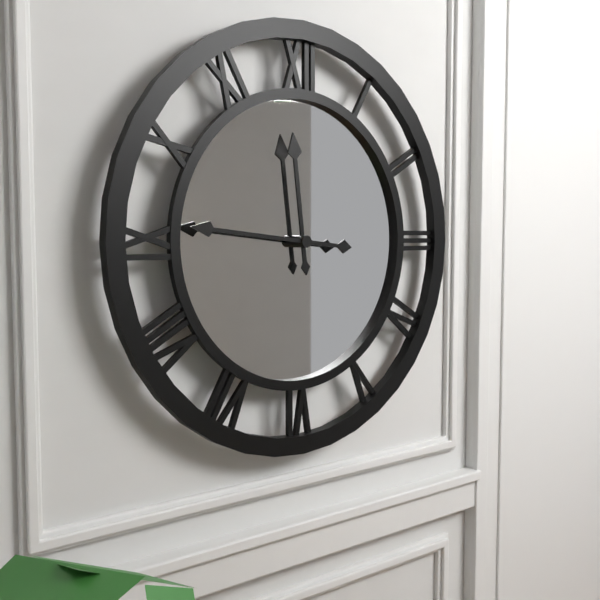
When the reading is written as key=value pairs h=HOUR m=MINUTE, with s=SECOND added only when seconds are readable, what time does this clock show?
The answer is h=11 m=46
